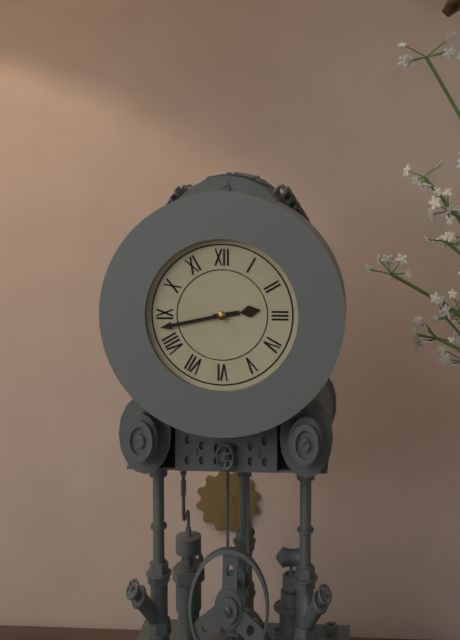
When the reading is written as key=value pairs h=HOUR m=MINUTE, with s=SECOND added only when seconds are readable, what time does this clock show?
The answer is h=2 m=43
